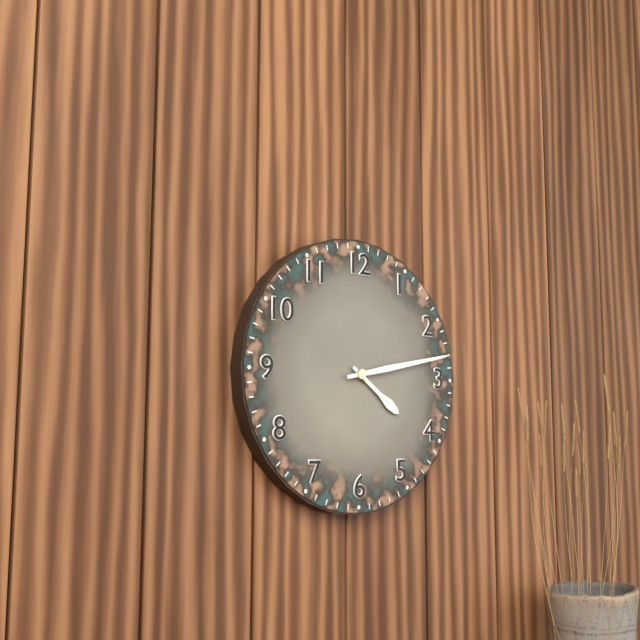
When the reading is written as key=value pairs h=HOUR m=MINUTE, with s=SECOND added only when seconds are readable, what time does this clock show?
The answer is h=4 m=13
